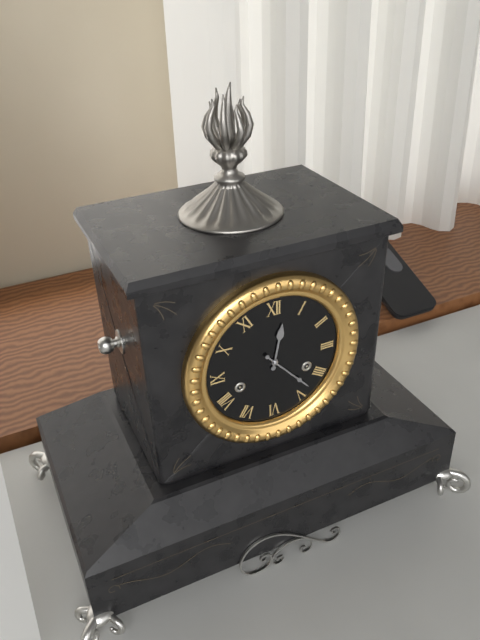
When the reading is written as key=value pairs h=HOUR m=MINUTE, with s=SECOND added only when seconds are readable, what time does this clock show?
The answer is h=12 m=23
